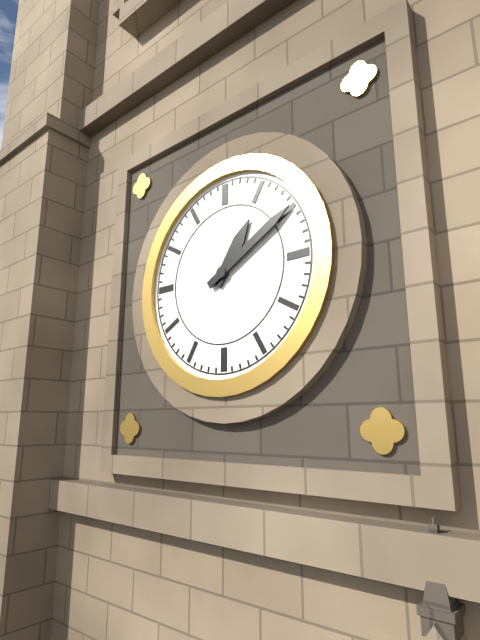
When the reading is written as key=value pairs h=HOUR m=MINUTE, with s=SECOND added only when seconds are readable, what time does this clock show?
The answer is h=1 m=10
